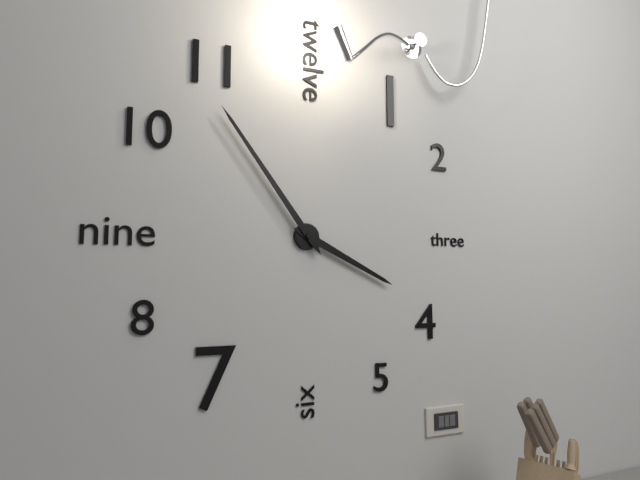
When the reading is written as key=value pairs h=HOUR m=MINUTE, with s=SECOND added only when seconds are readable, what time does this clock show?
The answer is h=3 m=54
